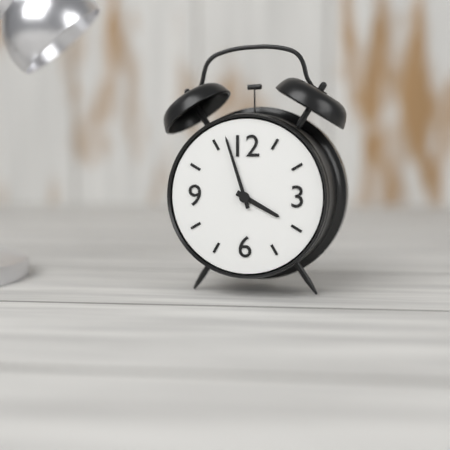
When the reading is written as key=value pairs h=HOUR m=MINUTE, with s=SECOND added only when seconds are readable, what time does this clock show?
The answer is h=3 m=57
